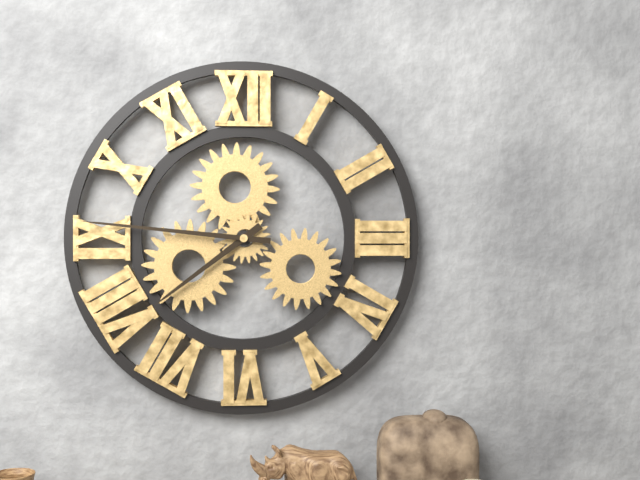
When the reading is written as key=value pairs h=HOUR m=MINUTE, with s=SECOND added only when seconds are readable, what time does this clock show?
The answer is h=7 m=46
